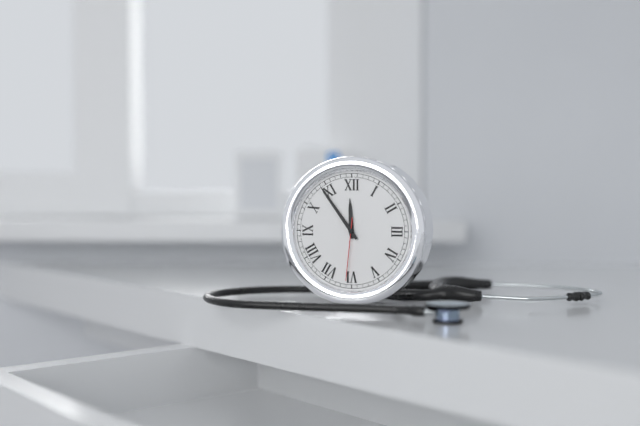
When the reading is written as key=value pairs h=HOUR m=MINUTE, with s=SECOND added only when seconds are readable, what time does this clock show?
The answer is h=11 m=54 s=31
